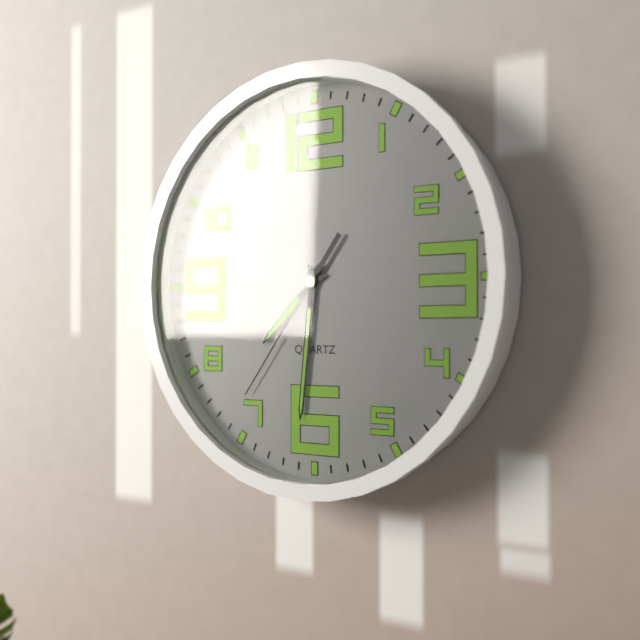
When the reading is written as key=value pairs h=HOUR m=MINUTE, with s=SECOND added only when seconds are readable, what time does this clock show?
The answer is h=7 m=31 s=36
